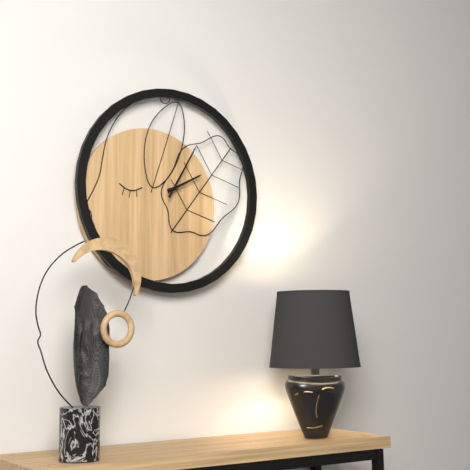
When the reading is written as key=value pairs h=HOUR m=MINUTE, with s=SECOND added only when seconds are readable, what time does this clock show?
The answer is h=2 m=5
